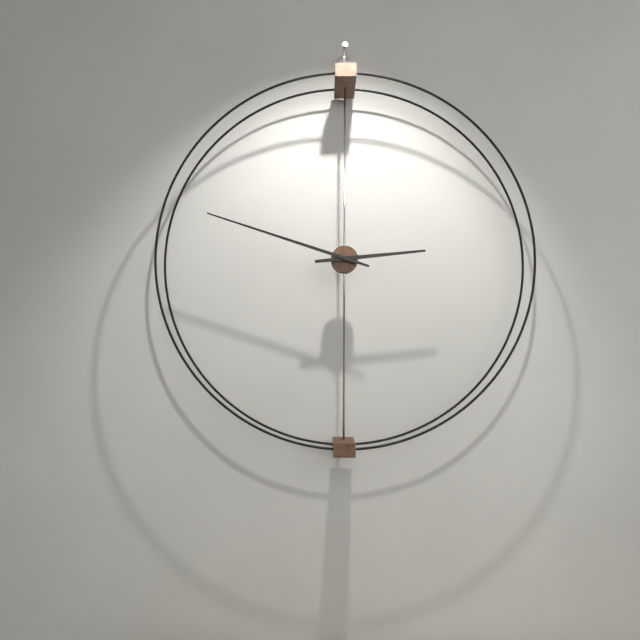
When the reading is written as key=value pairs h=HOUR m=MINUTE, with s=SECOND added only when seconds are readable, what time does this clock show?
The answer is h=2 m=48
